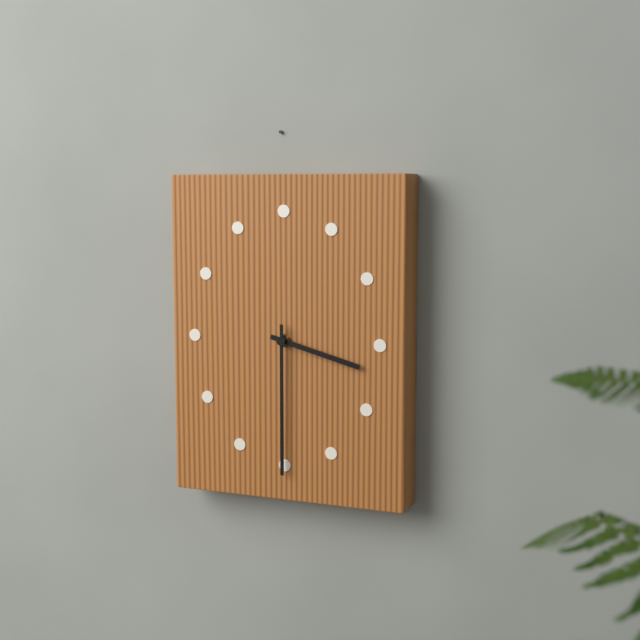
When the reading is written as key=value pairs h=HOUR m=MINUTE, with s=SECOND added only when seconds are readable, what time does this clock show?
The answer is h=3 m=30
